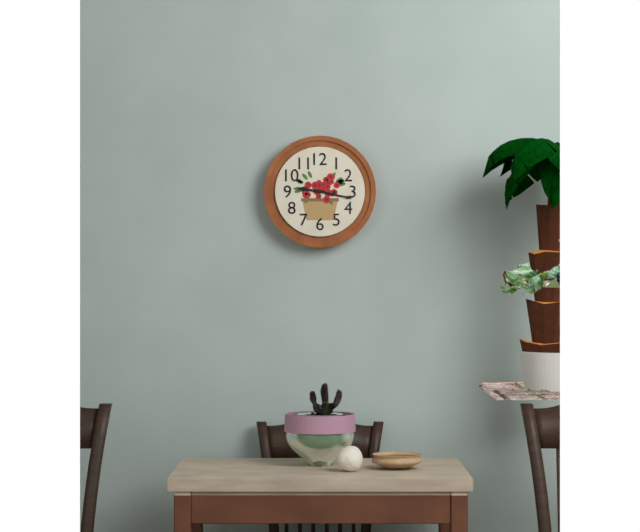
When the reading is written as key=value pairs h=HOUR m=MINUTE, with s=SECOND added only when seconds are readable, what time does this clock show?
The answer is h=9 m=17
